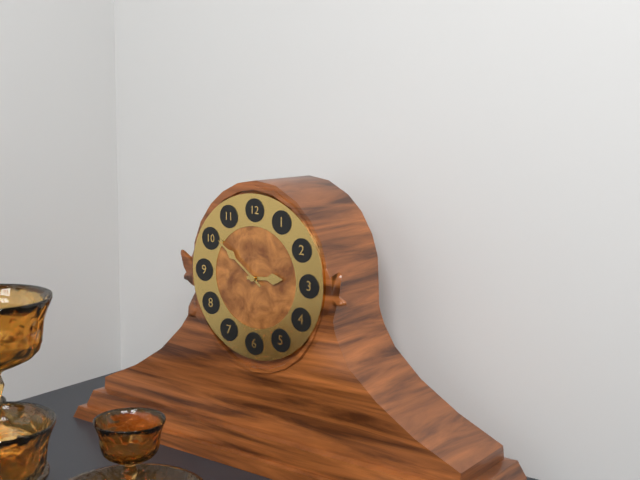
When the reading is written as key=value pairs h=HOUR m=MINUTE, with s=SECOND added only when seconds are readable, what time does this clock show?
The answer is h=2 m=51
